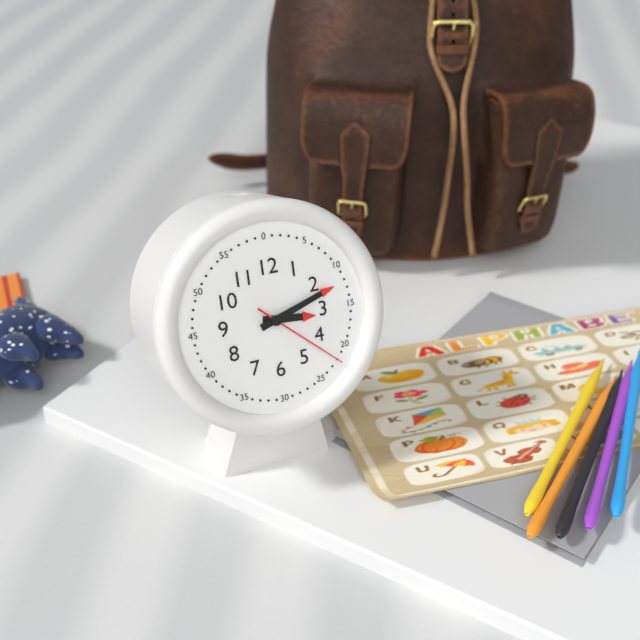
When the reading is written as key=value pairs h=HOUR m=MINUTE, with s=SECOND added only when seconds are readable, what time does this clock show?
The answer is h=3 m=12 s=22
